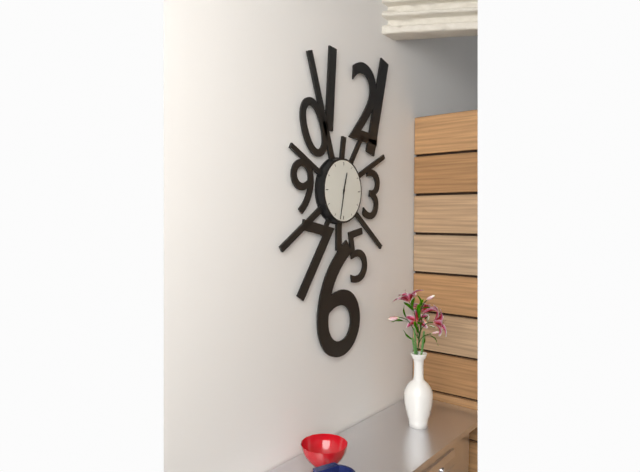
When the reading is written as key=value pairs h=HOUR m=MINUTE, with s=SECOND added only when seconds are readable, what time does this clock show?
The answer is h=12 m=32
